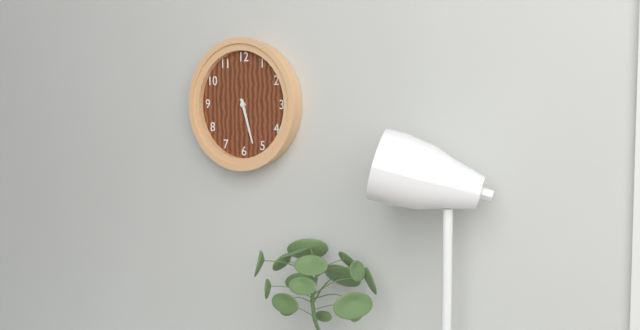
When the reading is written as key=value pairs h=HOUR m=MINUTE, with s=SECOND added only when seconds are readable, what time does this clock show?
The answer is h=5 m=27
